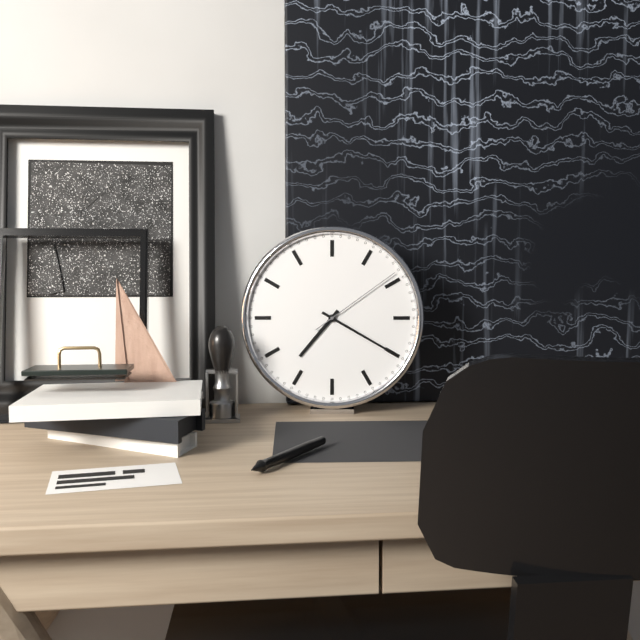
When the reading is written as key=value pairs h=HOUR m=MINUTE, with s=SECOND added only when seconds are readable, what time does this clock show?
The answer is h=7 m=20 s=9
